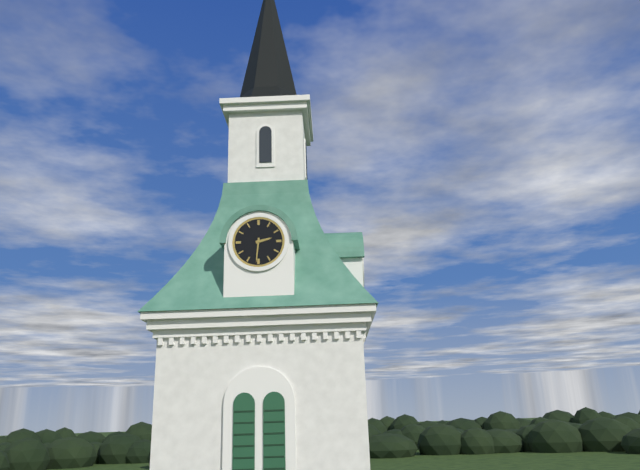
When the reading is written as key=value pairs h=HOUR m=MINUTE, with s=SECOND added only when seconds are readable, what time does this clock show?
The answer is h=2 m=31
